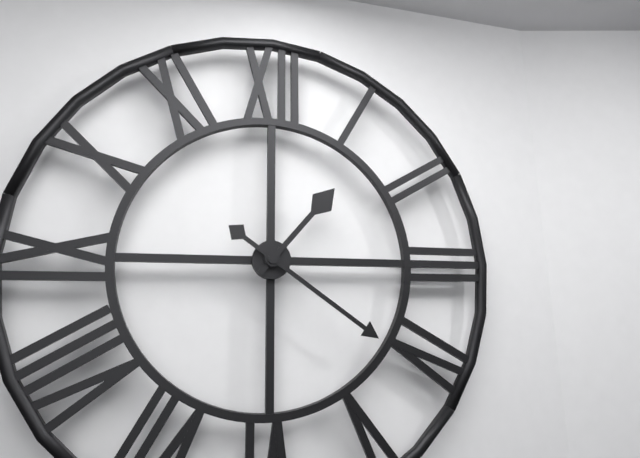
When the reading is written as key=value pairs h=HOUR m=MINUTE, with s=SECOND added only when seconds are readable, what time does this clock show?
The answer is h=1 m=21
